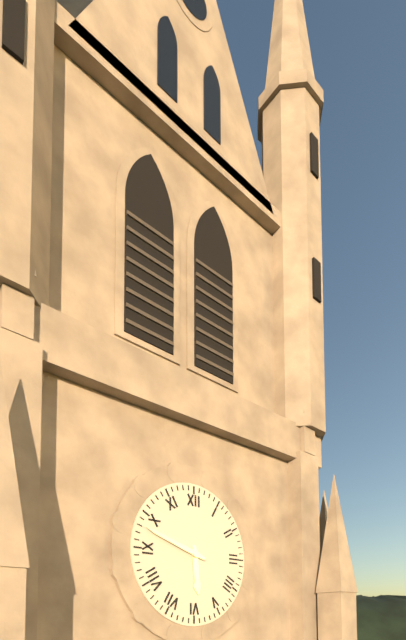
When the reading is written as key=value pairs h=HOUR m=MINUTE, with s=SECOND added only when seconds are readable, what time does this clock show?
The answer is h=5 m=48
